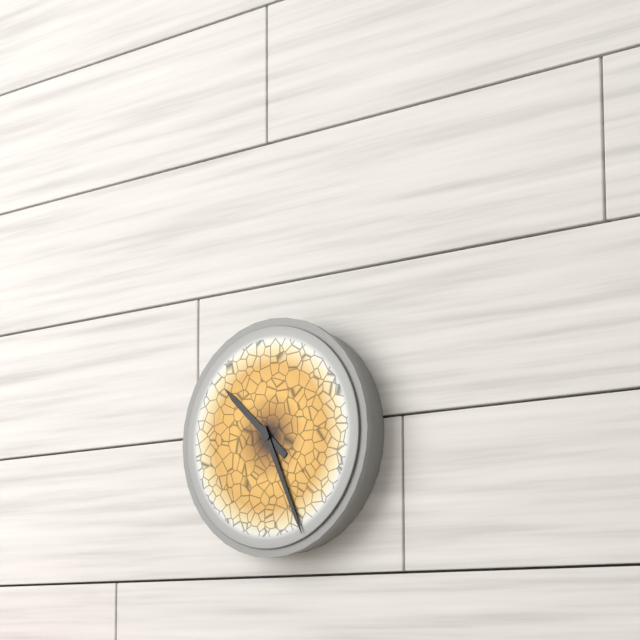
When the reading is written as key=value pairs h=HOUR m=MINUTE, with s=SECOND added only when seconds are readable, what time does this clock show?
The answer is h=10 m=26
